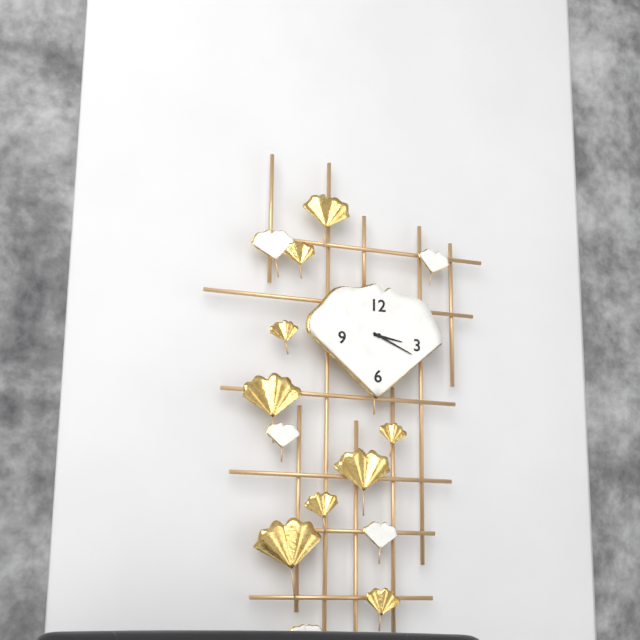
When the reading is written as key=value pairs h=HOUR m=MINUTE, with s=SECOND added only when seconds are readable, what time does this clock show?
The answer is h=3 m=19
